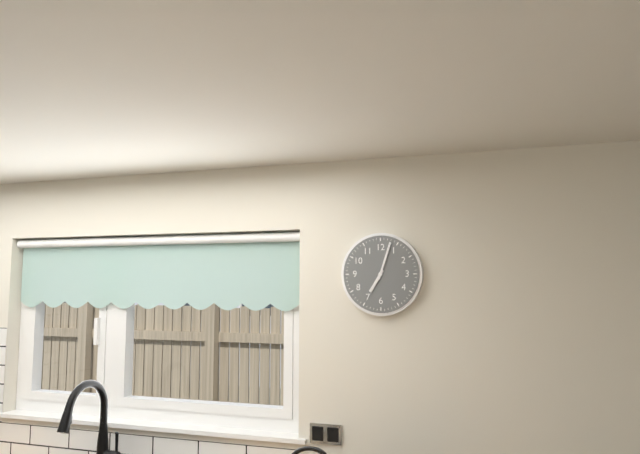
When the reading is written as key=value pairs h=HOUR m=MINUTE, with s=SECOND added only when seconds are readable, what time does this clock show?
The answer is h=7 m=3
